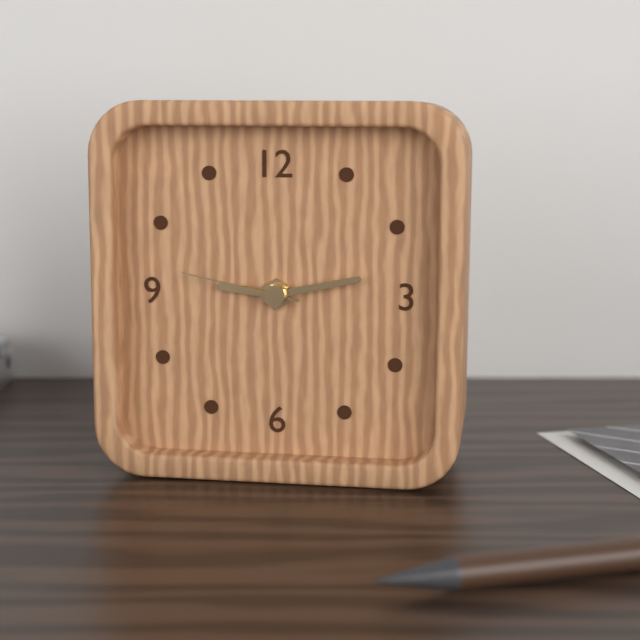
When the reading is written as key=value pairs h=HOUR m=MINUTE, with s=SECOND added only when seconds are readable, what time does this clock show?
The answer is h=9 m=13 s=47
